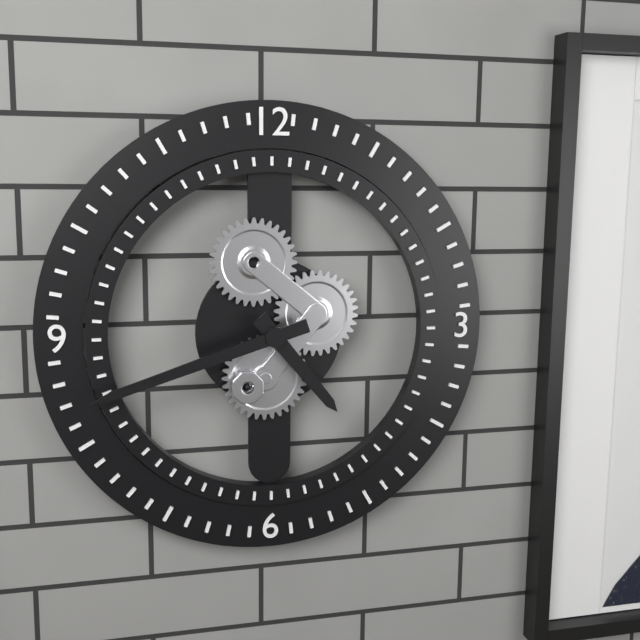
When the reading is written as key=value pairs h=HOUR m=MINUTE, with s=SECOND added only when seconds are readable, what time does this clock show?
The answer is h=4 m=42
